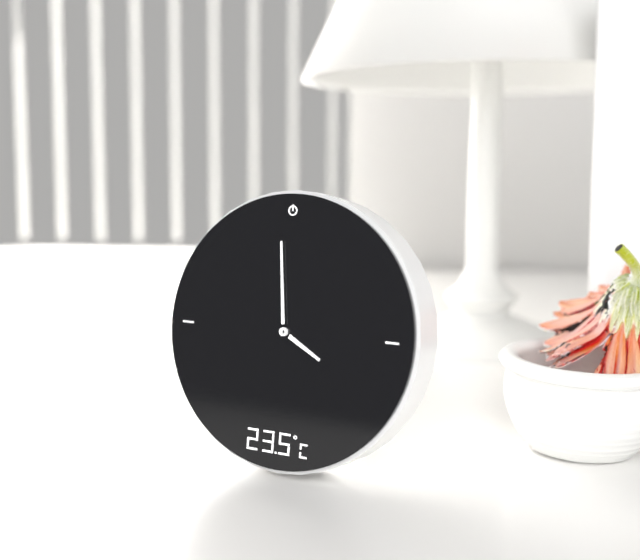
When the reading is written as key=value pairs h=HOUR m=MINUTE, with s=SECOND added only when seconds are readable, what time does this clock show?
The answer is h=3 m=59
